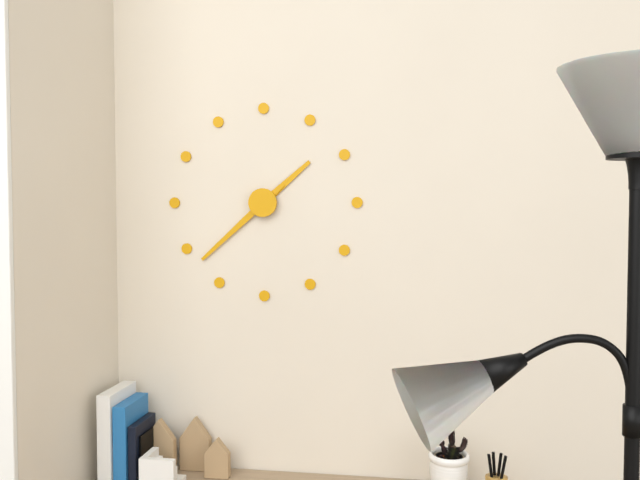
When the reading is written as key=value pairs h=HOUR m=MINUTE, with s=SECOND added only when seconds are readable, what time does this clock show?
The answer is h=1 m=38
